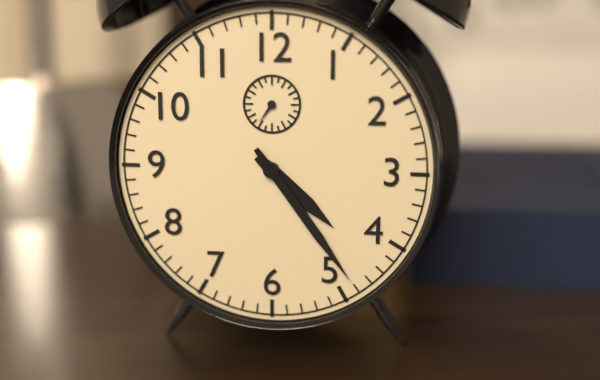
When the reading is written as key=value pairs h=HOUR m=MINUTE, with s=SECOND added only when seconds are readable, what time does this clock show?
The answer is h=4 m=24
